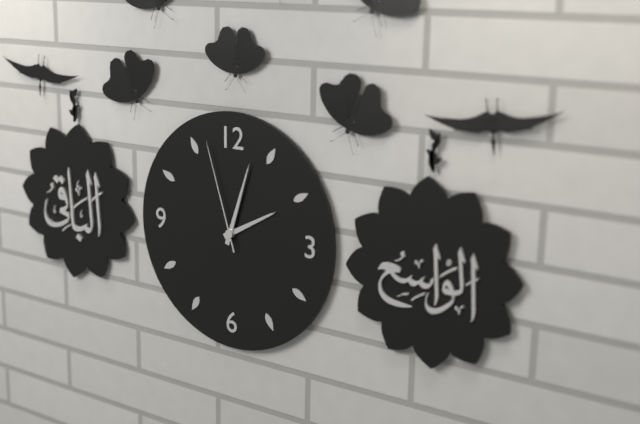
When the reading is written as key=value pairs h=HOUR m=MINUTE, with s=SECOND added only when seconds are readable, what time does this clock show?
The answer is h=2 m=3 s=57
